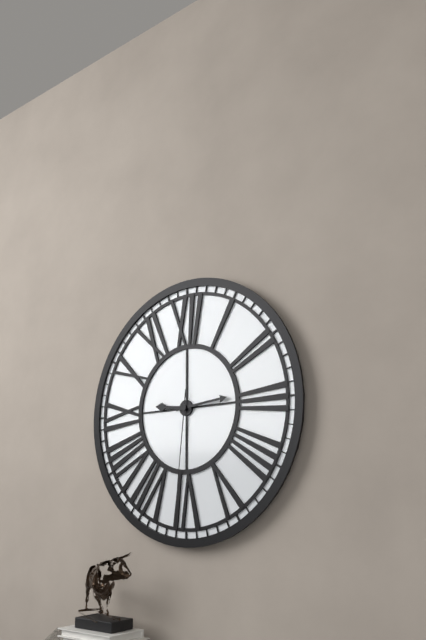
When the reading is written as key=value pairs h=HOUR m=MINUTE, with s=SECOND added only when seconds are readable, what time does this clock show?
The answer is h=9 m=14 s=31
